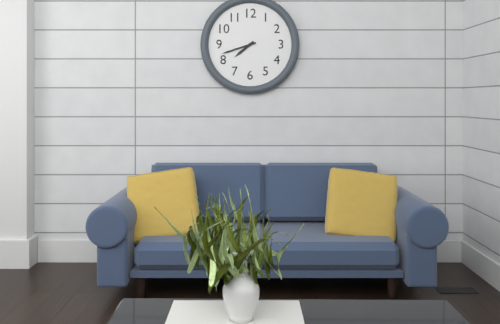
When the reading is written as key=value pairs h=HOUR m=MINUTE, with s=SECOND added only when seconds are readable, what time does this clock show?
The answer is h=7 m=42
